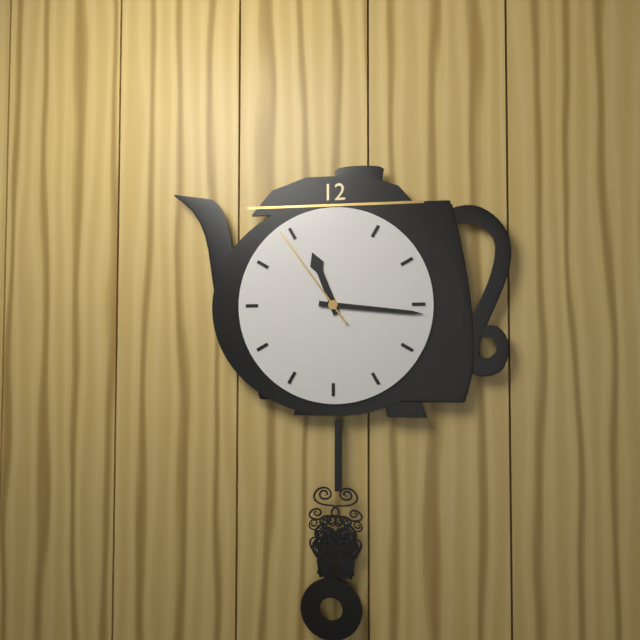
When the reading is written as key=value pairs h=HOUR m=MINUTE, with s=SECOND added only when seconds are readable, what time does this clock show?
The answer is h=11 m=16 s=54
